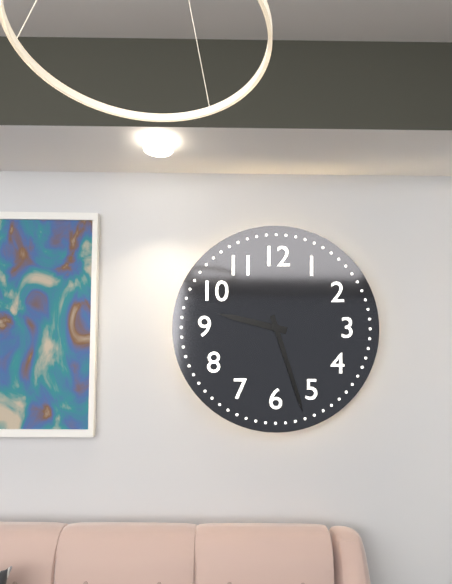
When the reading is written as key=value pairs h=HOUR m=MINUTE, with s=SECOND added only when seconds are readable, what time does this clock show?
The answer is h=9 m=27
